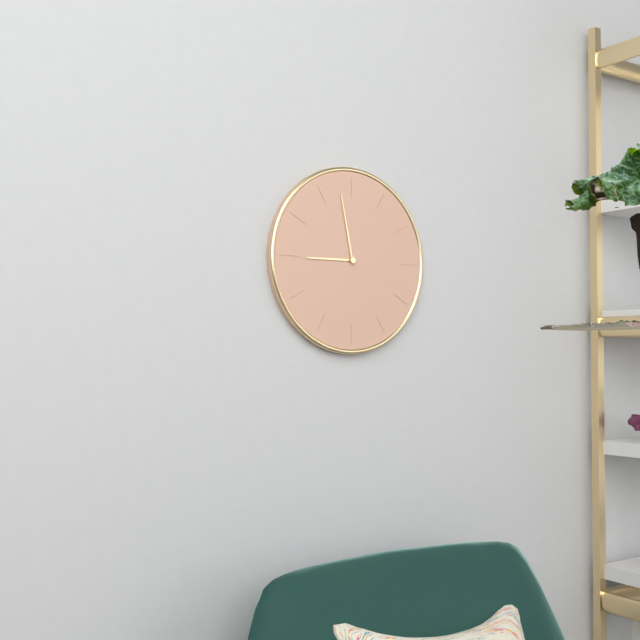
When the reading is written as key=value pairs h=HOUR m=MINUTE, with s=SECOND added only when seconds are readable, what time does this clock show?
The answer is h=8 m=58
